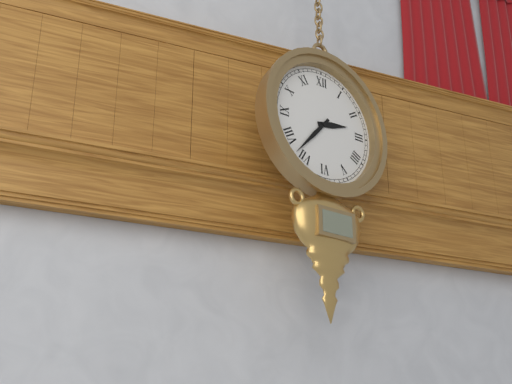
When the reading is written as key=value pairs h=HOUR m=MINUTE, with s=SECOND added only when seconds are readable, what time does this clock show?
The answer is h=2 m=37
